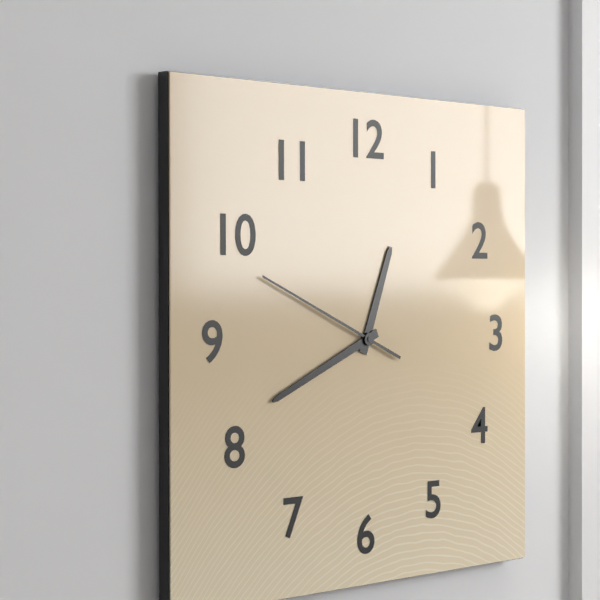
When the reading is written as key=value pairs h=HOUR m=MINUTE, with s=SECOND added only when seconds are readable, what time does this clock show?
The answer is h=12 m=41 s=49
